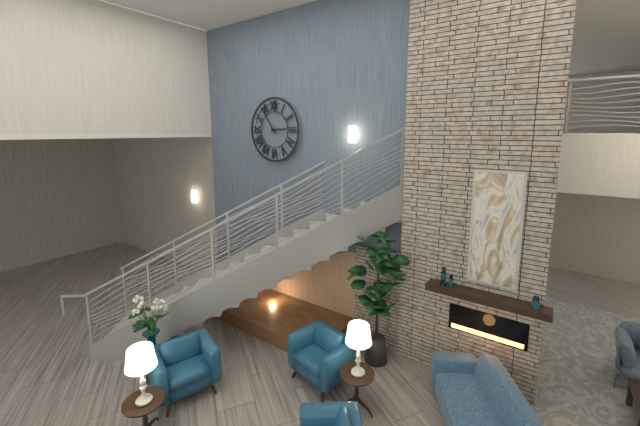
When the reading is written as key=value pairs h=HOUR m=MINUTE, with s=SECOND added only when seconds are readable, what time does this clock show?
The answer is h=2 m=54
